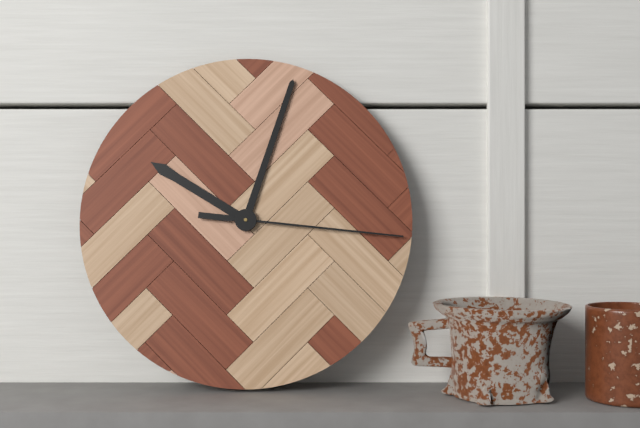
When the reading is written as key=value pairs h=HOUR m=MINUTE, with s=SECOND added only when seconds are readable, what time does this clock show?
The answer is h=10 m=3 s=16
